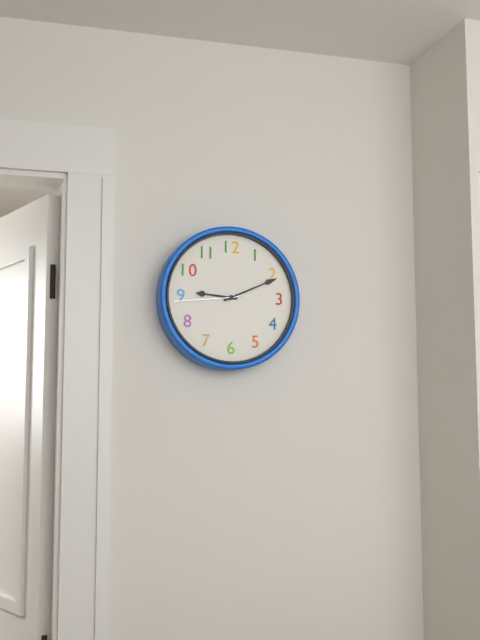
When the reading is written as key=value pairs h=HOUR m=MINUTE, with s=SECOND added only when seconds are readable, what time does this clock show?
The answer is h=9 m=11 s=44
